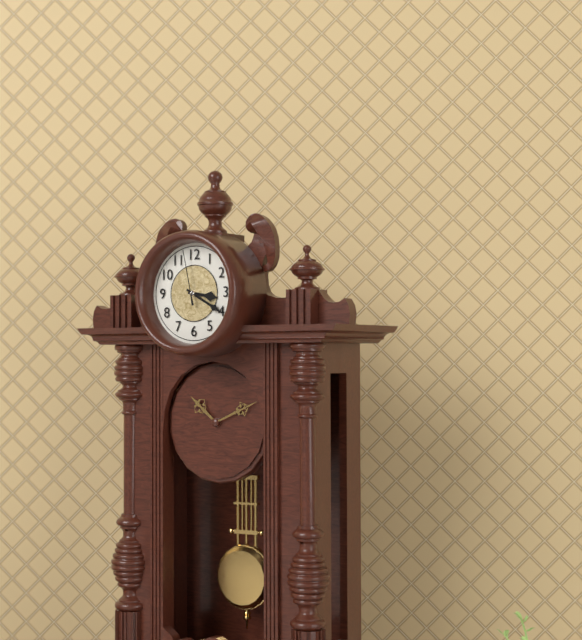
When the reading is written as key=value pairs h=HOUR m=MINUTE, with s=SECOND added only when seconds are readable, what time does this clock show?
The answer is h=3 m=20 s=58
